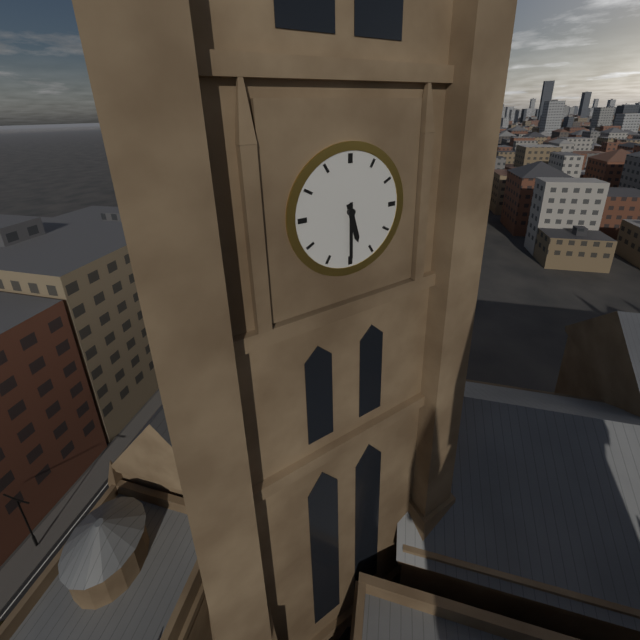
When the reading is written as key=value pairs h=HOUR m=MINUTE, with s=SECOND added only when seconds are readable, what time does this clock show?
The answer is h=5 m=30
